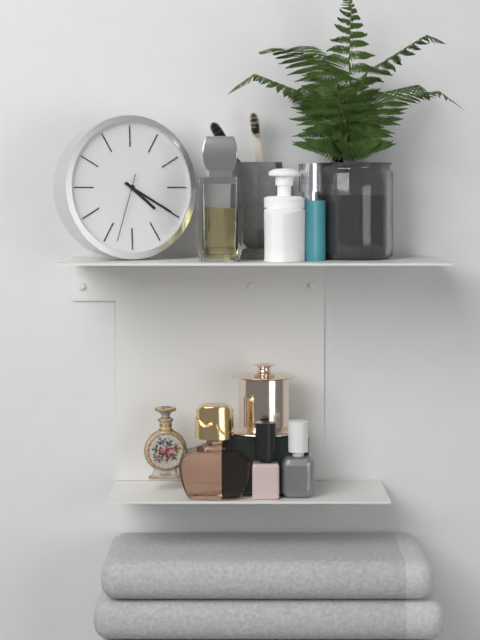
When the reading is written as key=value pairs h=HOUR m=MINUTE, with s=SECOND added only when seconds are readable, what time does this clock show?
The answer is h=4 m=20 s=33
